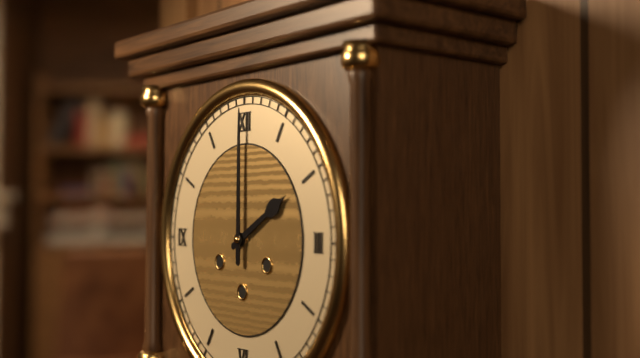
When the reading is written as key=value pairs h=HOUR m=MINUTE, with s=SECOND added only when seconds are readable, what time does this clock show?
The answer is h=2 m=0
